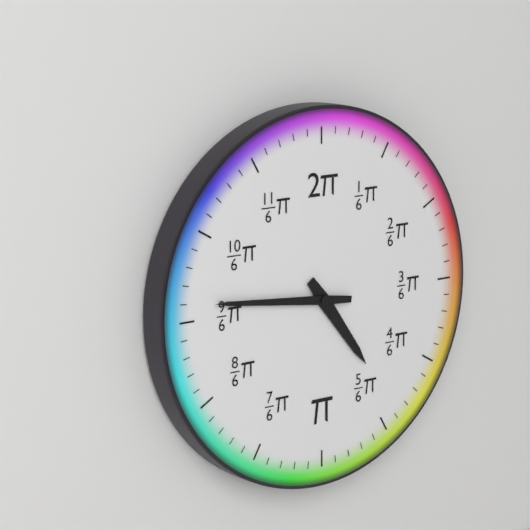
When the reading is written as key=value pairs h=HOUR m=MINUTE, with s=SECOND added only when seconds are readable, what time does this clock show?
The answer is h=4 m=46
